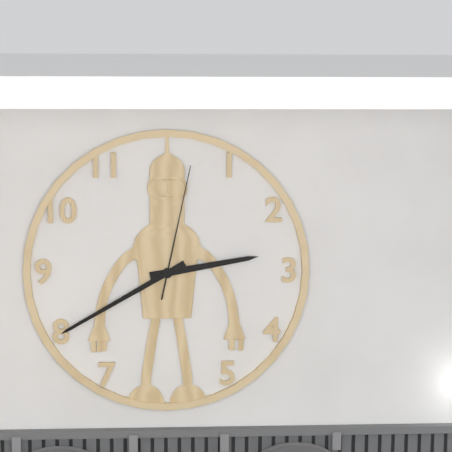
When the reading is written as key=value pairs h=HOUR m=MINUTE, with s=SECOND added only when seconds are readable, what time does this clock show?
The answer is h=2 m=40 s=2
